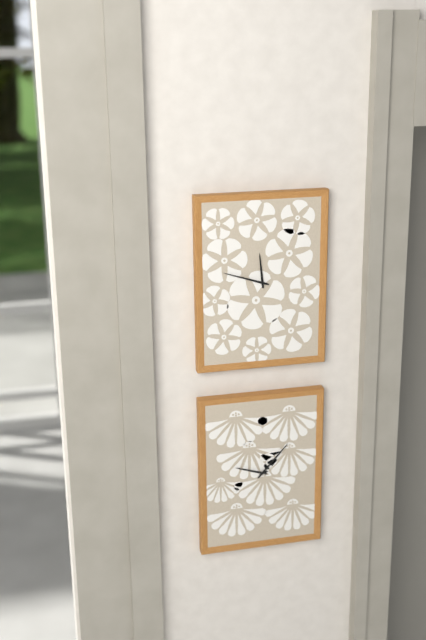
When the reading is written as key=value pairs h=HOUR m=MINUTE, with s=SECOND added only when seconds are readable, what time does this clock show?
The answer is h=11 m=48
